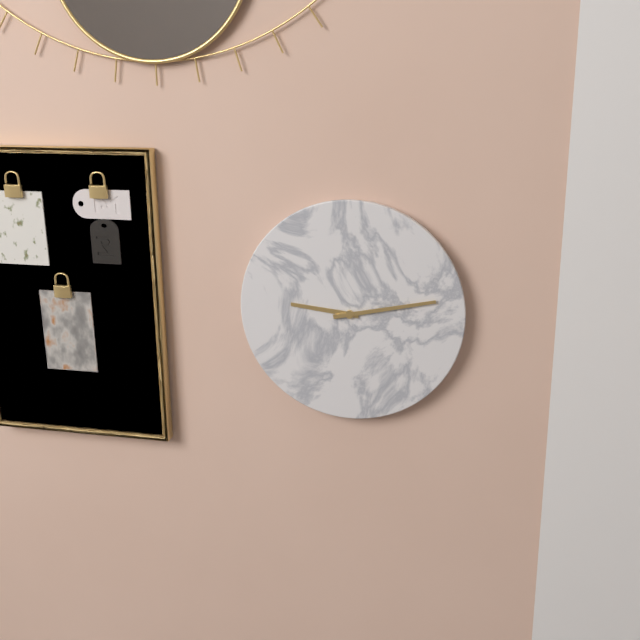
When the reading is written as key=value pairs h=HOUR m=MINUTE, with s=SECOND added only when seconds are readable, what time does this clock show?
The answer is h=9 m=13
